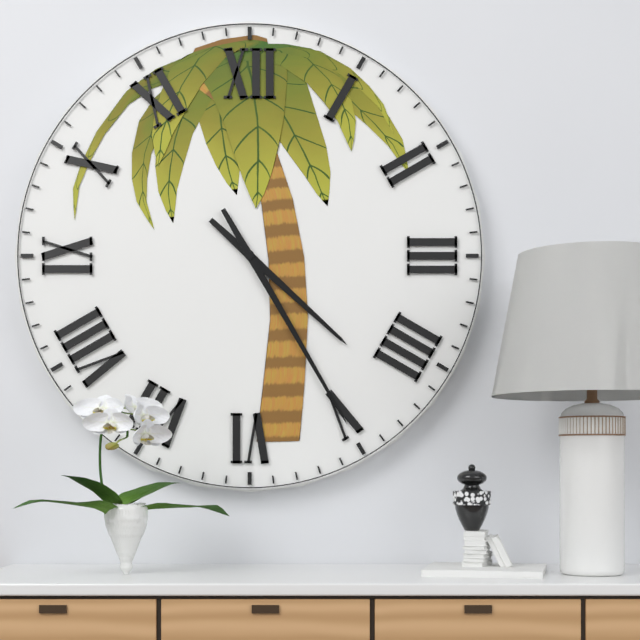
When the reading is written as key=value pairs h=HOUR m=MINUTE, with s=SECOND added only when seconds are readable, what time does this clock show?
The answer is h=4 m=25
